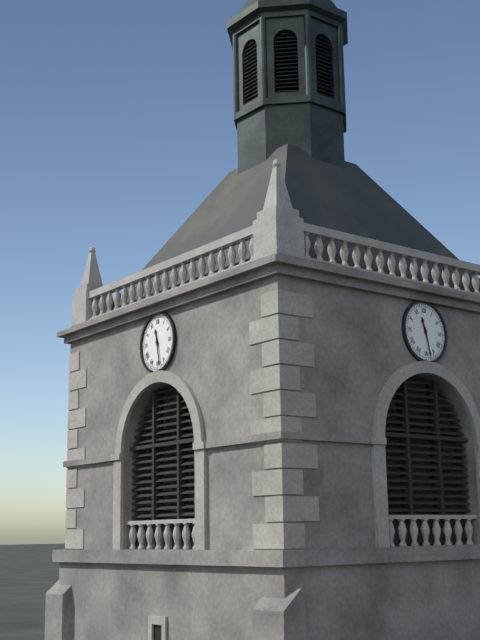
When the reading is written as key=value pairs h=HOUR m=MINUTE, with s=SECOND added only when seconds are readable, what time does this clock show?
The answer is h=11 m=28
